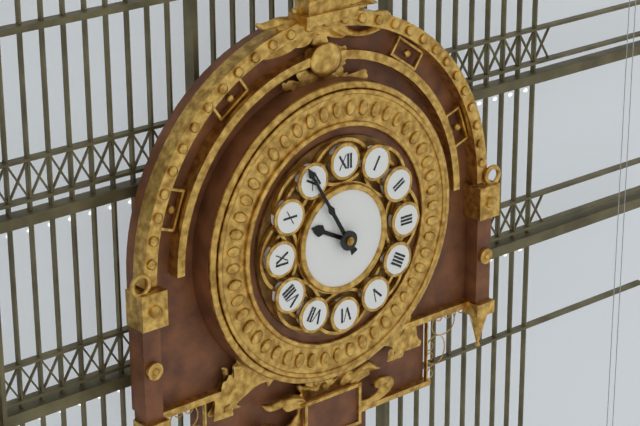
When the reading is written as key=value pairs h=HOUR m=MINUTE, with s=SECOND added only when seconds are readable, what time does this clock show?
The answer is h=9 m=55
